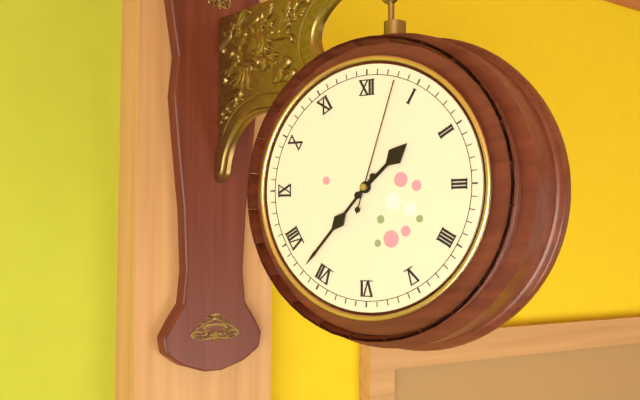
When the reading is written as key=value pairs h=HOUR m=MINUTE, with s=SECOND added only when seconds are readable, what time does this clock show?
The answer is h=1 m=37 s=3
